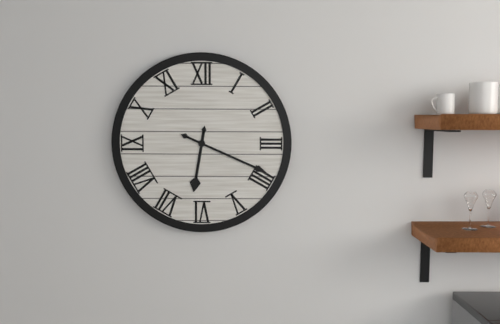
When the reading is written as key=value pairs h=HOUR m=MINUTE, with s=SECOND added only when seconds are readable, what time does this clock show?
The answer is h=6 m=19
